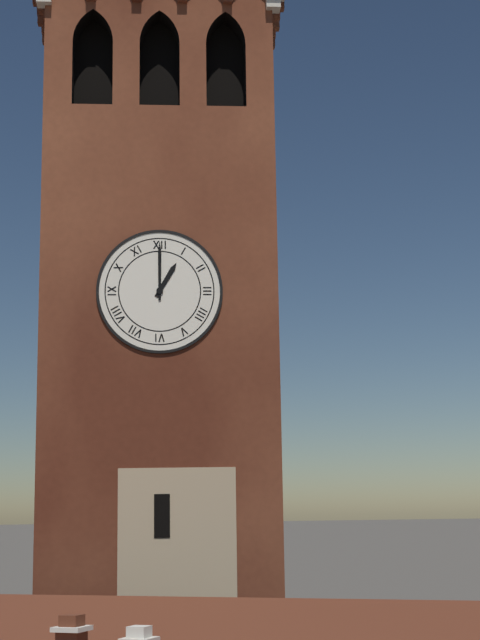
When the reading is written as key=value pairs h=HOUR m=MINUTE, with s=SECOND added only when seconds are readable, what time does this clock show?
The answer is h=1 m=0
